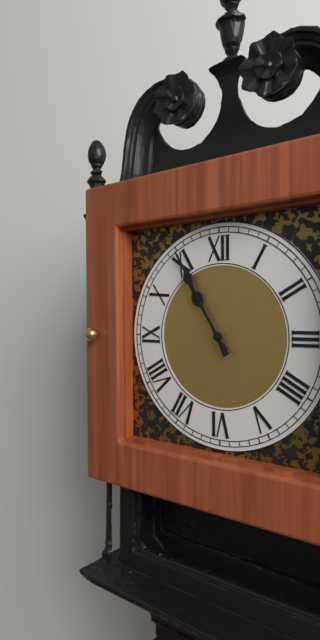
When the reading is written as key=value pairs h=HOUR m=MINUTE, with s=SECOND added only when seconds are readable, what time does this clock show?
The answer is h=10 m=55
